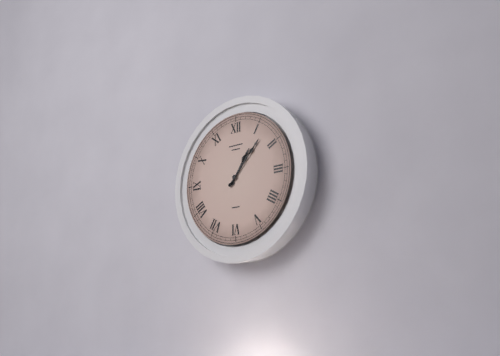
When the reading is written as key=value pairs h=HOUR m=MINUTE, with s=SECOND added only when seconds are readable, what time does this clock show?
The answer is h=1 m=7
